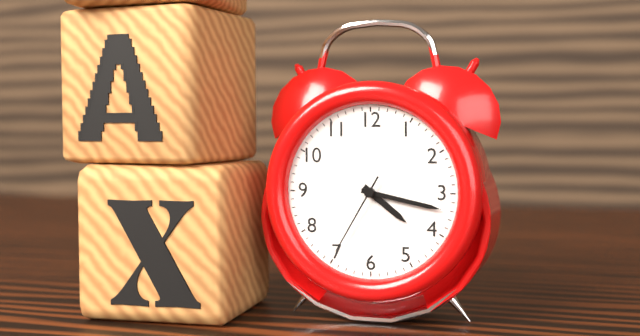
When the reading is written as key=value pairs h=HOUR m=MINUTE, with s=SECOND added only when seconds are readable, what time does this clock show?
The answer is h=4 m=17 s=35
